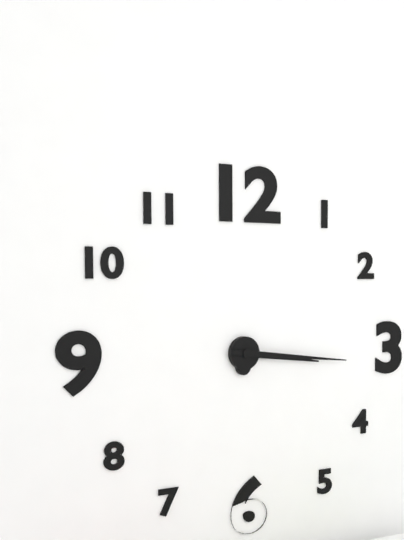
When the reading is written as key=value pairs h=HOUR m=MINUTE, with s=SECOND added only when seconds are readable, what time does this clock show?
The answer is h=3 m=16
